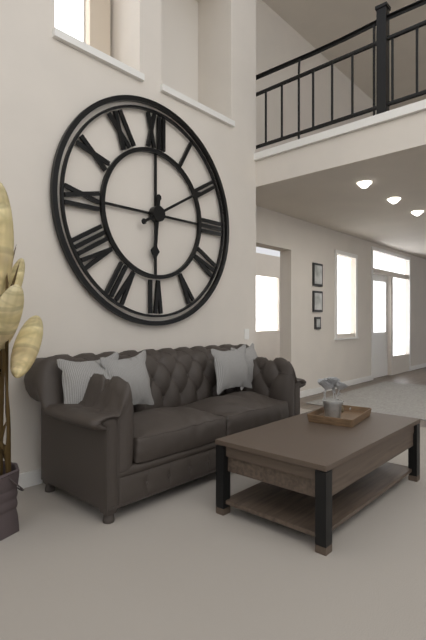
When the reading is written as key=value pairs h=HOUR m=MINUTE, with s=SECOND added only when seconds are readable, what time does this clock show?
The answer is h=6 m=10
